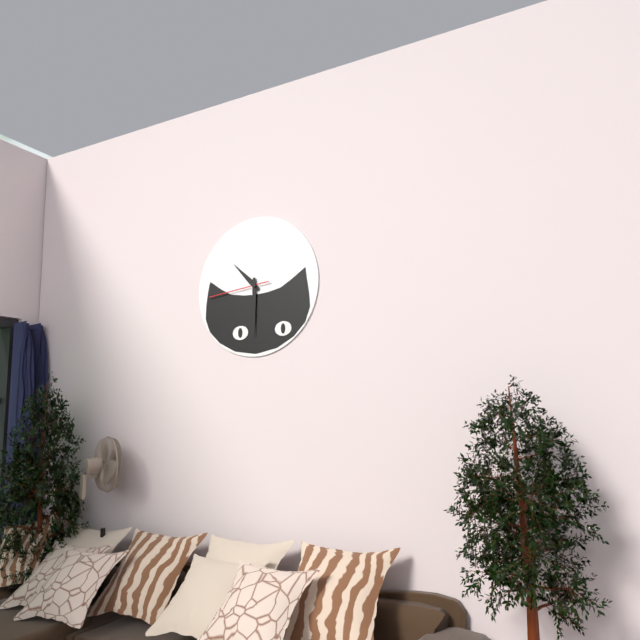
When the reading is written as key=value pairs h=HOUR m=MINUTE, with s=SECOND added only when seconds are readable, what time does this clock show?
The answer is h=10 m=30 s=44
